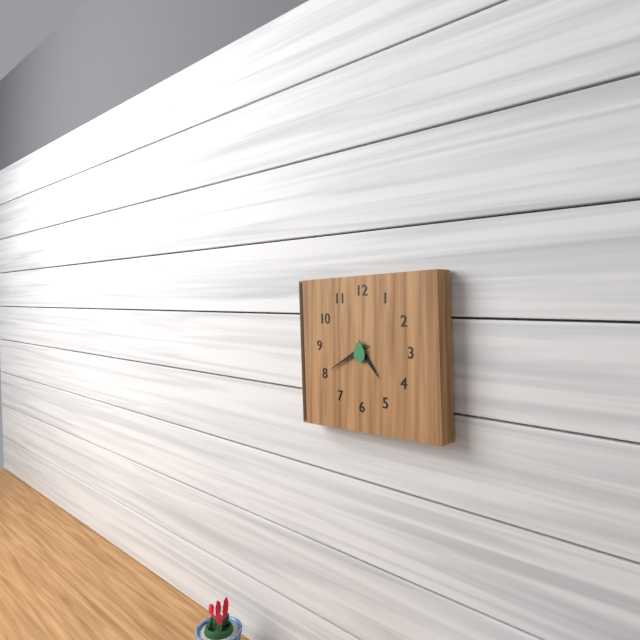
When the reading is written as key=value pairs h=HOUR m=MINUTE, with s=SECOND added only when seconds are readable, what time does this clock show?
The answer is h=4 m=40
